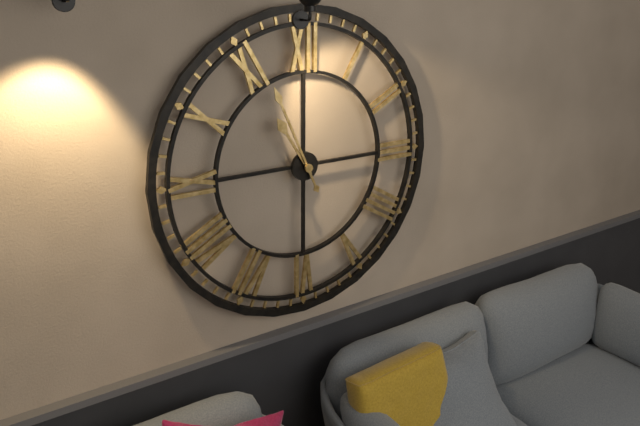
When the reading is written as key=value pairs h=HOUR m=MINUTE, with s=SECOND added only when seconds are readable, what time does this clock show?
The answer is h=10 m=56
